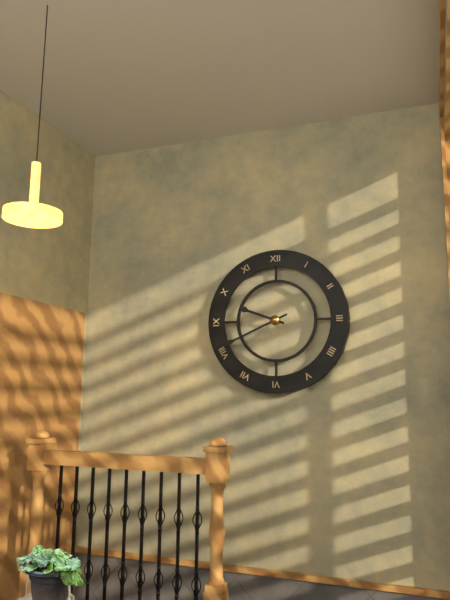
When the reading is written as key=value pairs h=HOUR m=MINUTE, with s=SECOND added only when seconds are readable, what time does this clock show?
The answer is h=9 m=41
